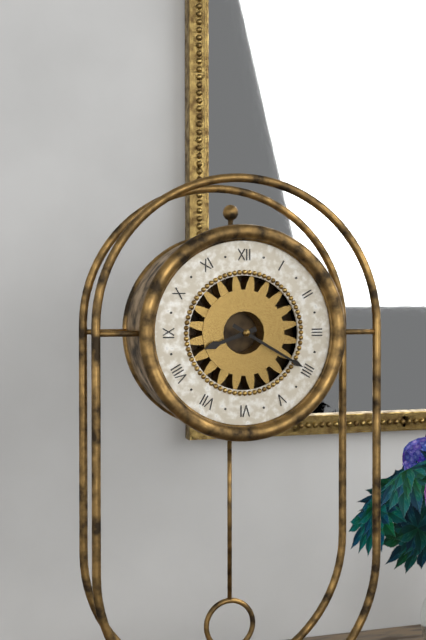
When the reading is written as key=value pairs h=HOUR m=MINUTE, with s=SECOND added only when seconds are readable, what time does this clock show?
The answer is h=8 m=20
